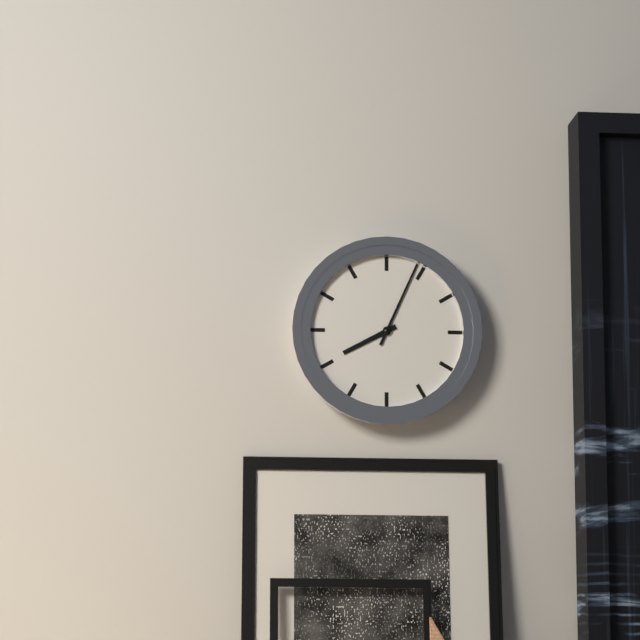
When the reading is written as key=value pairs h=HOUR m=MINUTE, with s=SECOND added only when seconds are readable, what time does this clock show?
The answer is h=8 m=4
